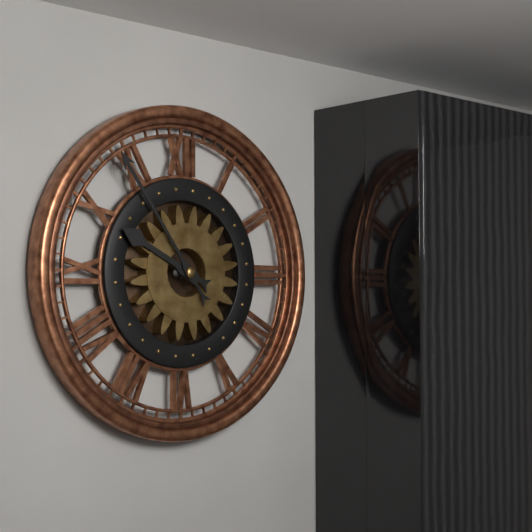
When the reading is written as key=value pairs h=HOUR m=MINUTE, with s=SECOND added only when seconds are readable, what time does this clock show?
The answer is h=9 m=54
